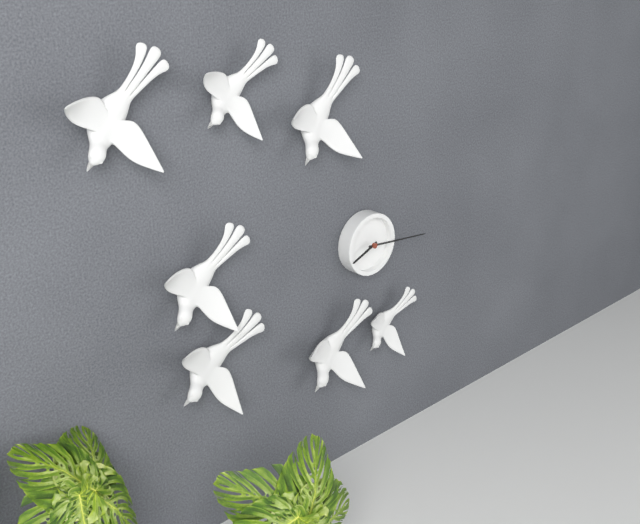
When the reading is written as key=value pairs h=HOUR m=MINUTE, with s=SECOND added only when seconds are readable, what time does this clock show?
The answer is h=8 m=16
